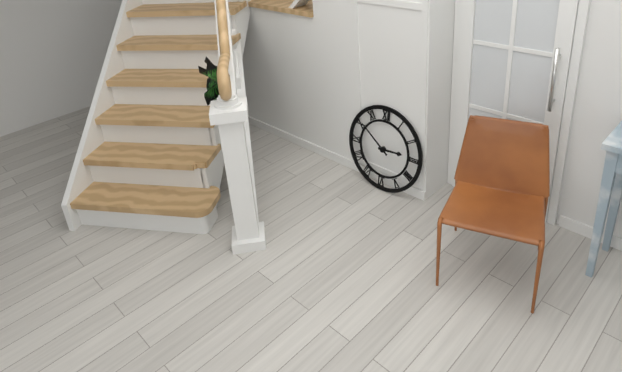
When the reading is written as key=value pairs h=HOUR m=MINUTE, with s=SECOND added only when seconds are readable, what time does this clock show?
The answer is h=2 m=51
